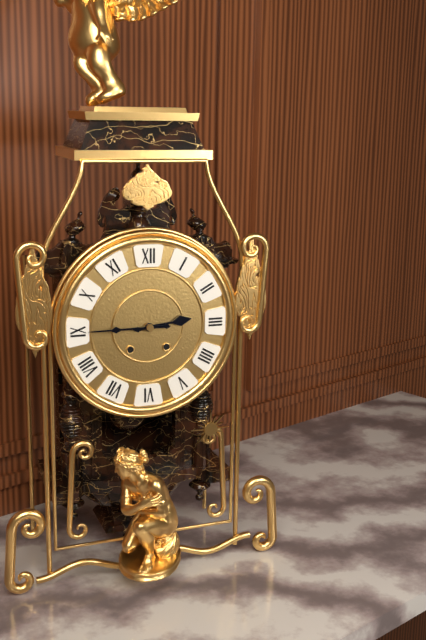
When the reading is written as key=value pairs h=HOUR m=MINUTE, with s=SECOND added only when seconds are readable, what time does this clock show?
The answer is h=2 m=45
